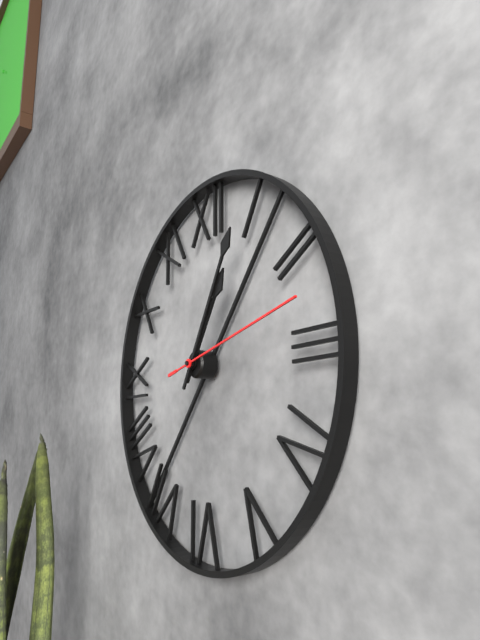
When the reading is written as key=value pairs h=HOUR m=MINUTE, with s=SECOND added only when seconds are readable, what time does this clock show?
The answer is h=1 m=5 s=13
